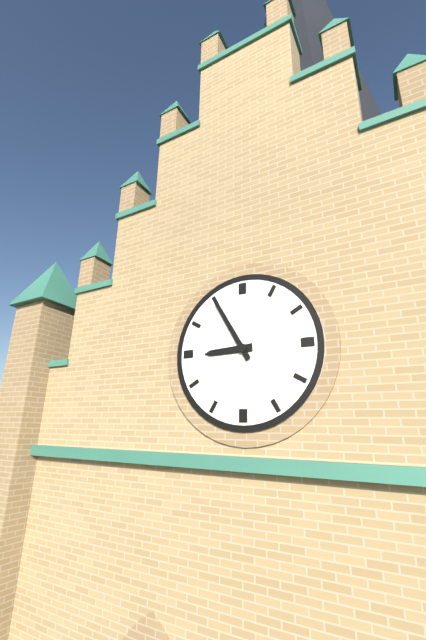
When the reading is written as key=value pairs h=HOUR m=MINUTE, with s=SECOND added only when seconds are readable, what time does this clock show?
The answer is h=8 m=55
